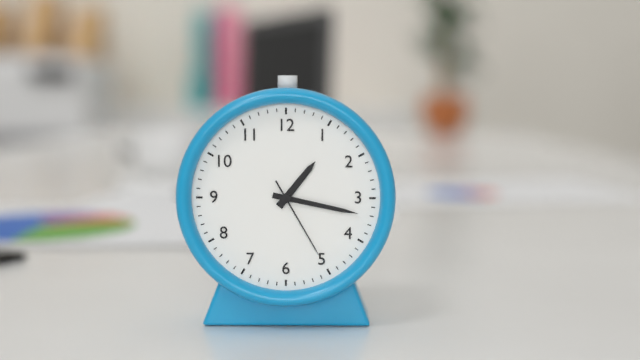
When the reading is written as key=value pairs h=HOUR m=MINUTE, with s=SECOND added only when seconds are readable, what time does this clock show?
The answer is h=1 m=17 s=25
